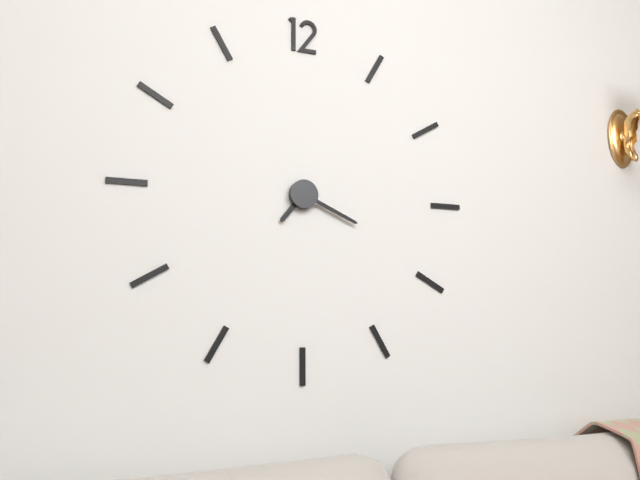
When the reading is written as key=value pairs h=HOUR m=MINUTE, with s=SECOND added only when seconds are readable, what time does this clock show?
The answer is h=7 m=19
